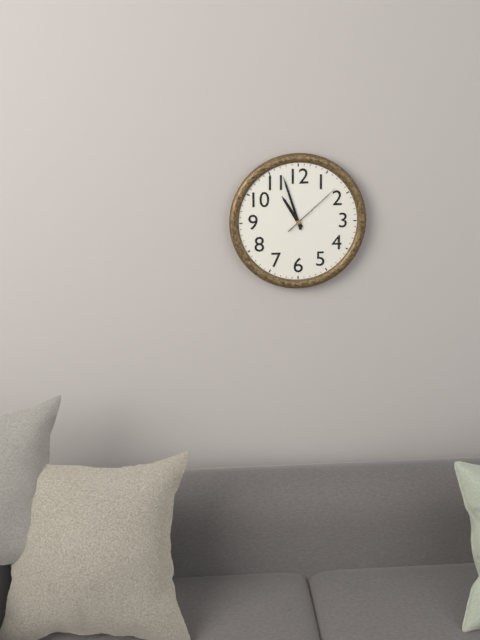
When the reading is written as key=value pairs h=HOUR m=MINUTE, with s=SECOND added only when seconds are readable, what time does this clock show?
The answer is h=10 m=57 s=8
